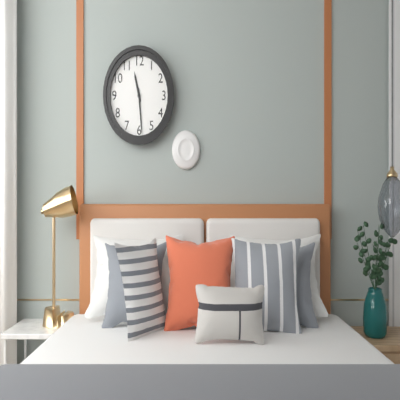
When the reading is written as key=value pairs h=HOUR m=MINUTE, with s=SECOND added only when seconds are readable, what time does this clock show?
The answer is h=11 m=29
